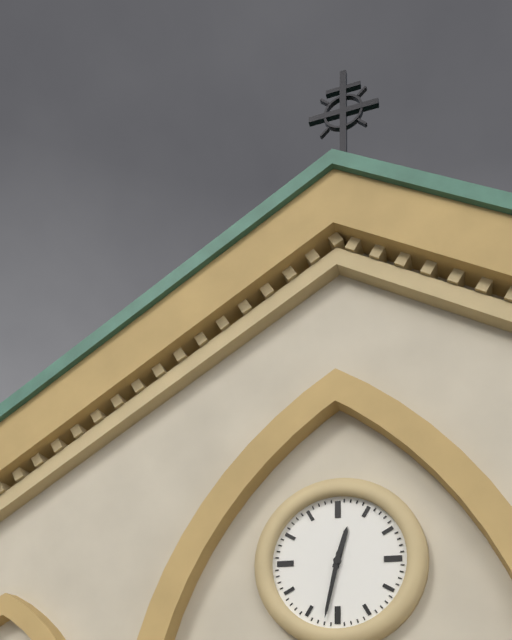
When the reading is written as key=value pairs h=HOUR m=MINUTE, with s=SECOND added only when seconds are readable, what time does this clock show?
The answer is h=12 m=32
